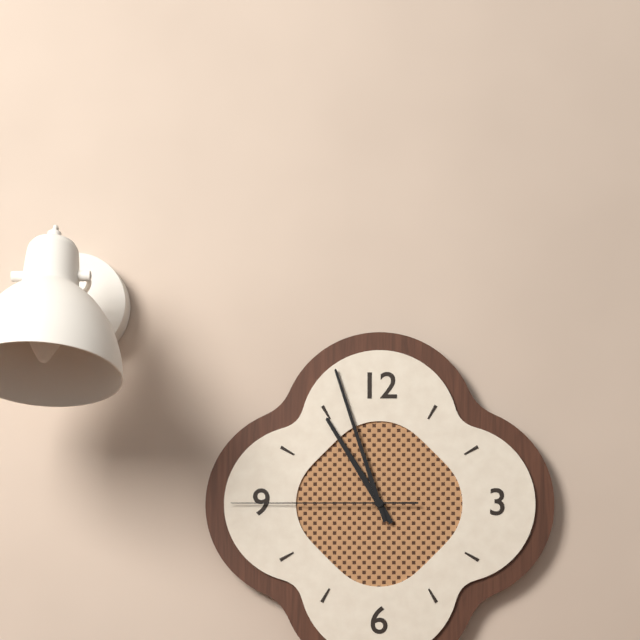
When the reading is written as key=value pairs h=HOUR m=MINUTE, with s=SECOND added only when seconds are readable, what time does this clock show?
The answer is h=10 m=57 s=45
